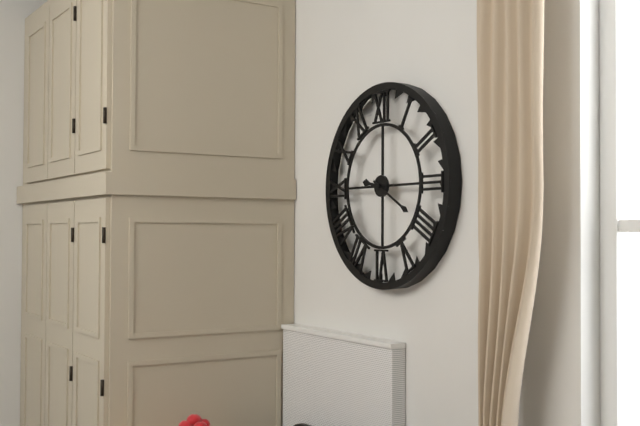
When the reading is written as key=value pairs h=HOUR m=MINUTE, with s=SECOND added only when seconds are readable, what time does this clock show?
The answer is h=9 m=20
